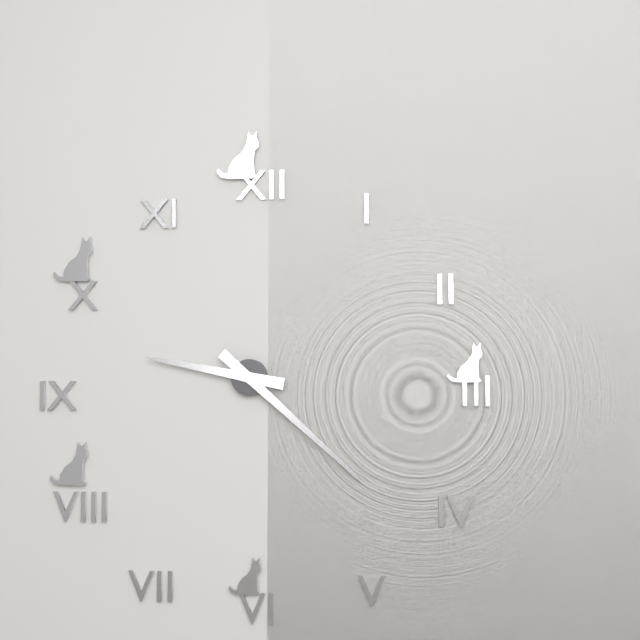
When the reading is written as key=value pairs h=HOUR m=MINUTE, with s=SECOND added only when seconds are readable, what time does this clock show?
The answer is h=9 m=22
